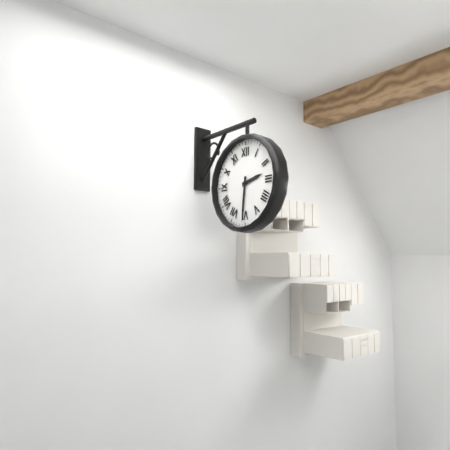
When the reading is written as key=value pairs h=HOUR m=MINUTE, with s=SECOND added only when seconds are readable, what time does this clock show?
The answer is h=2 m=31
